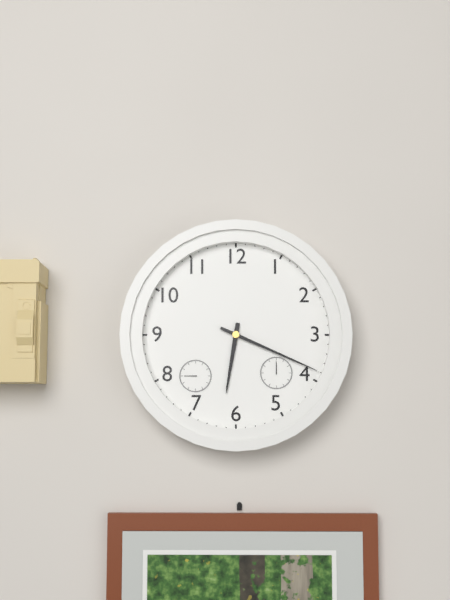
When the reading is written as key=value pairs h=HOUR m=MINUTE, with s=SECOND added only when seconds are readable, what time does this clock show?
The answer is h=6 m=19
